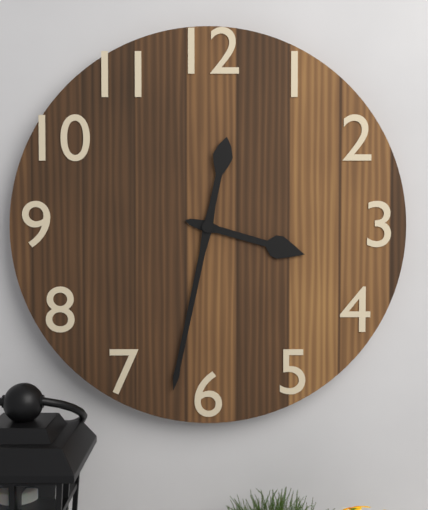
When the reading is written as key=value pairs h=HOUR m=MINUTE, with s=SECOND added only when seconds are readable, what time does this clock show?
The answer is h=3 m=32
